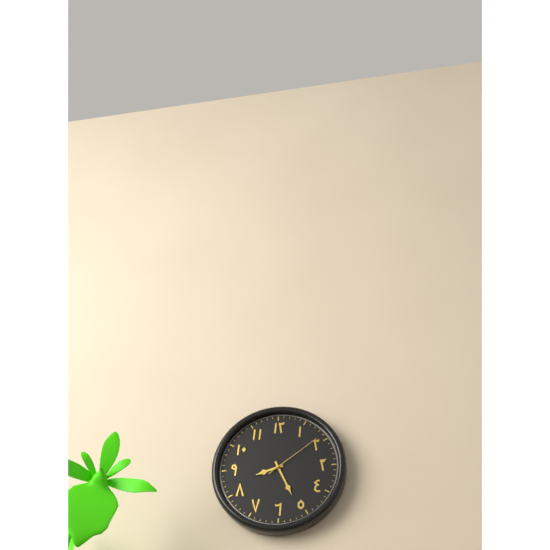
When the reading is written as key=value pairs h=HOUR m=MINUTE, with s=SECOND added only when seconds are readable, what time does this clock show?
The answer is h=8 m=26 s=9
